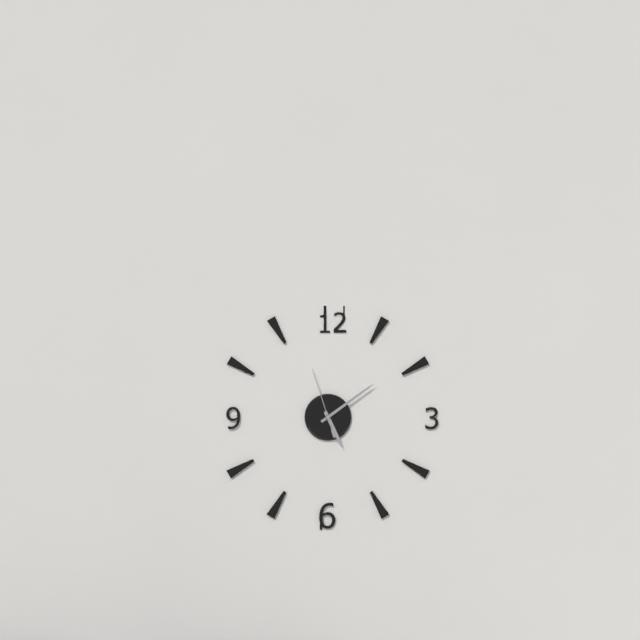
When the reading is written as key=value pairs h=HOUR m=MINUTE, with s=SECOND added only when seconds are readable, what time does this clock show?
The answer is h=5 m=9 s=57
